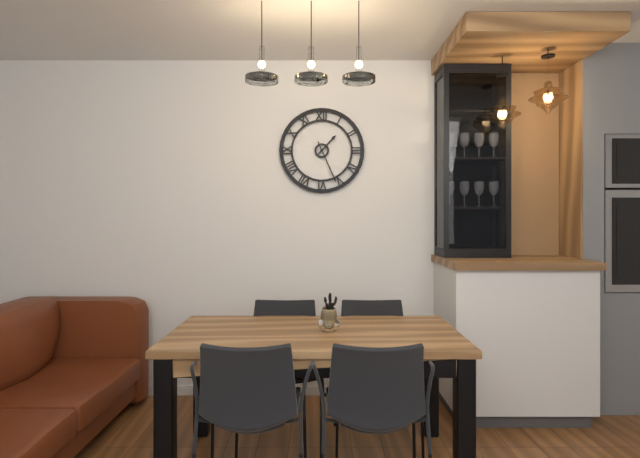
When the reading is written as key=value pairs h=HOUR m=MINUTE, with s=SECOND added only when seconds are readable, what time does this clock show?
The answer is h=1 m=26
